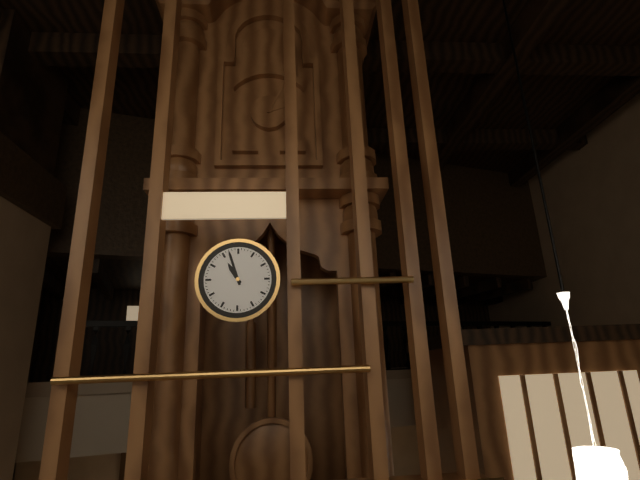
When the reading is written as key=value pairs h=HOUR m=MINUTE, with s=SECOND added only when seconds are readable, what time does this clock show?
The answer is h=10 m=57
